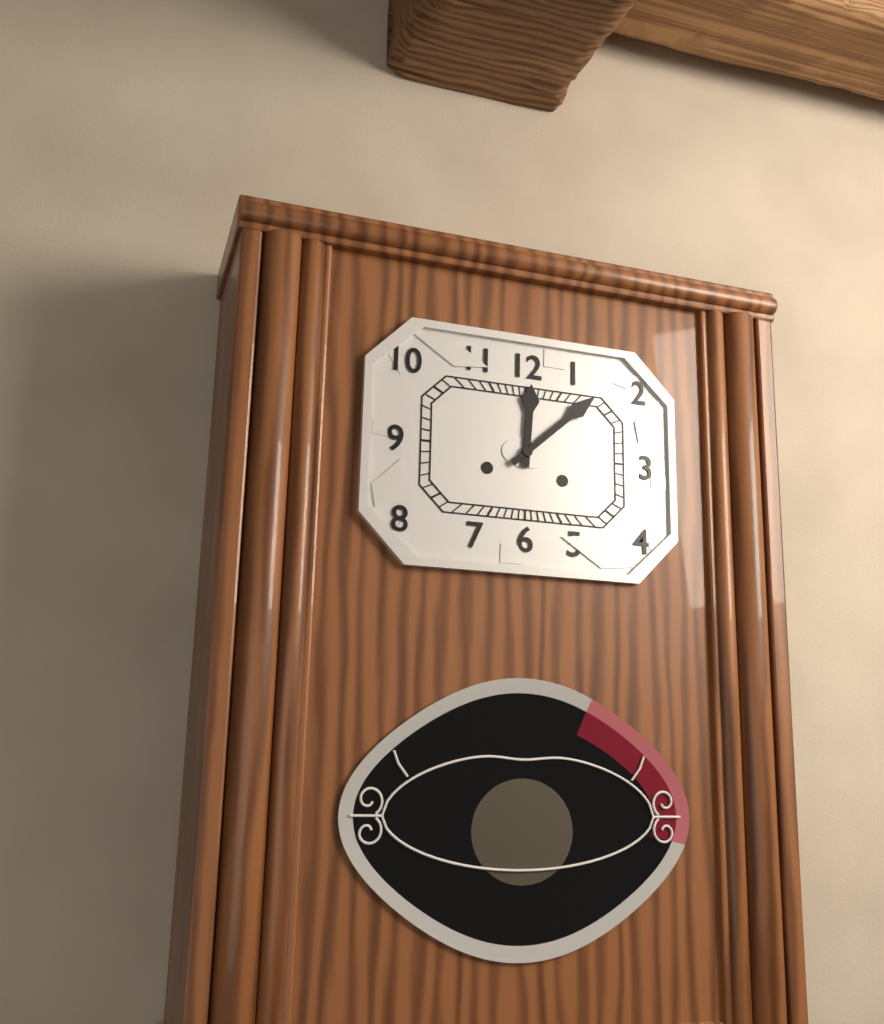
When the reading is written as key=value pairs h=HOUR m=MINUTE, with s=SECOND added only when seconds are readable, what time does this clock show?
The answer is h=12 m=8
